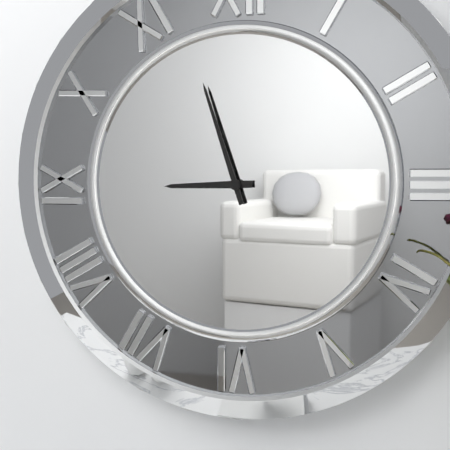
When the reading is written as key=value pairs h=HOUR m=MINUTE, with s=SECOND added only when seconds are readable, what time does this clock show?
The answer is h=8 m=57
